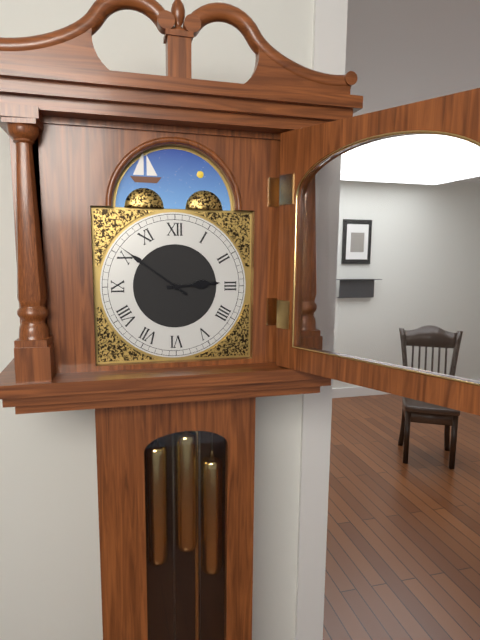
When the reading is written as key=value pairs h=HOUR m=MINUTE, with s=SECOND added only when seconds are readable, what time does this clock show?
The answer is h=2 m=51
